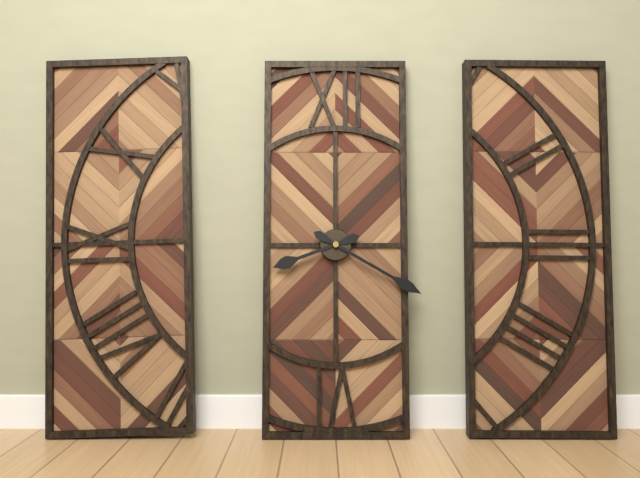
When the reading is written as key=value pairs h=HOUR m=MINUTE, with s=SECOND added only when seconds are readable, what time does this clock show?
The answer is h=8 m=20
